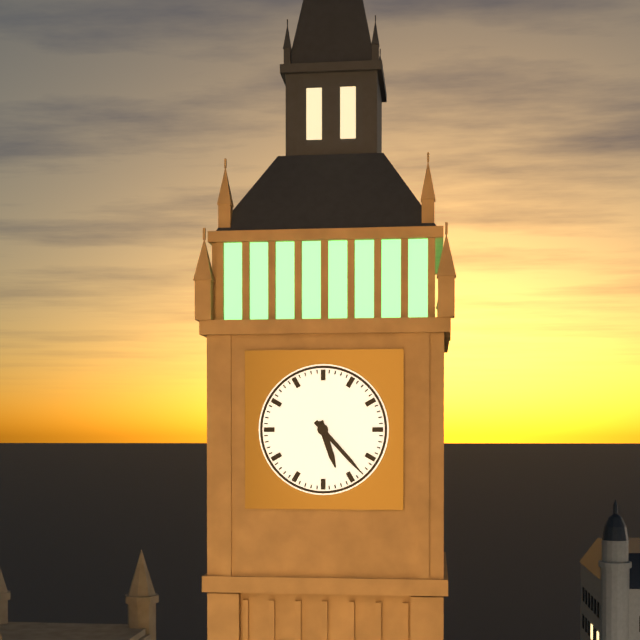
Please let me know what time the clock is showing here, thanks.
5:23
